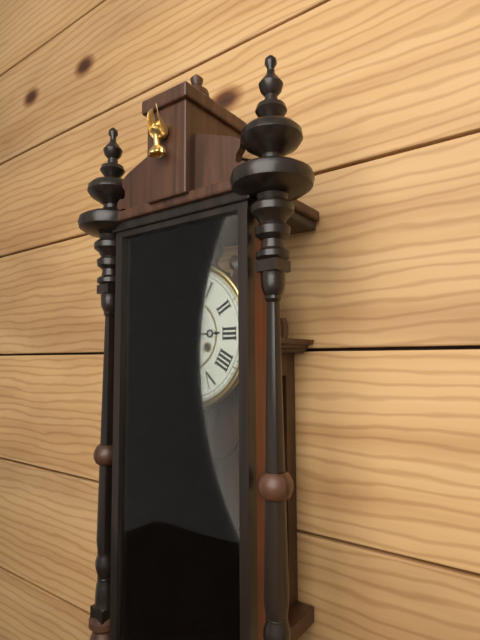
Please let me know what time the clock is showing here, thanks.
2:57
